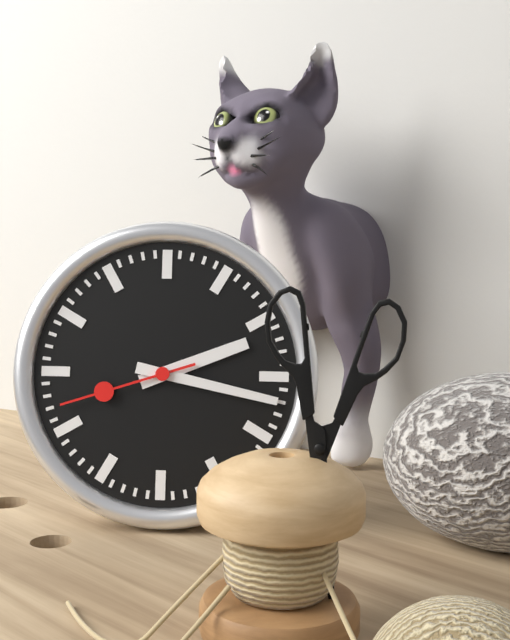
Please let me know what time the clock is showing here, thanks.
2:17:42
